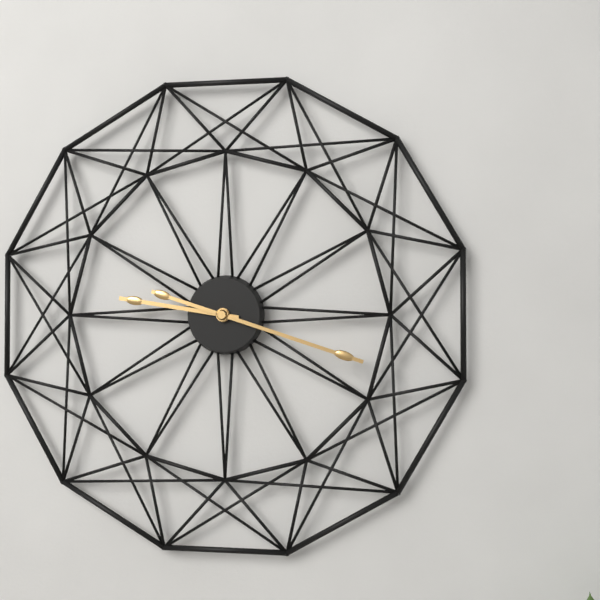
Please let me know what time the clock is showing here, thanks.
9:18
